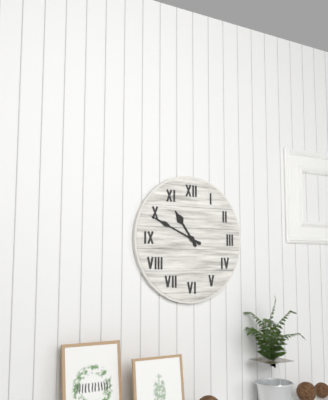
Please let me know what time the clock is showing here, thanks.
10:49
